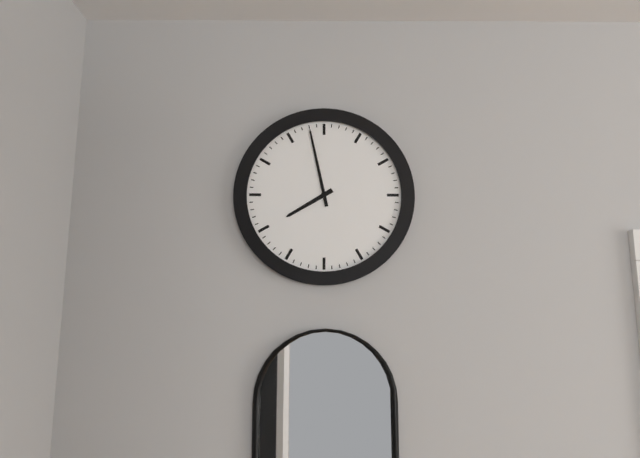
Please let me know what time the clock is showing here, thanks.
7:58
